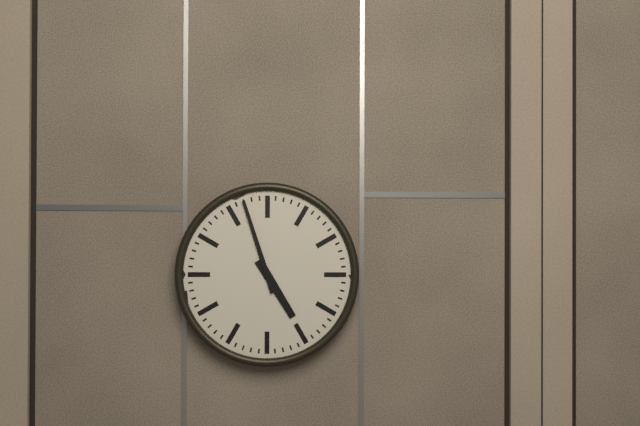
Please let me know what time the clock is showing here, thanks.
4:57
